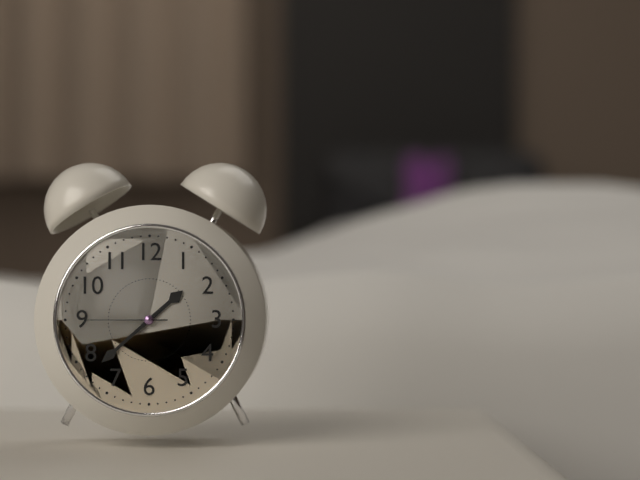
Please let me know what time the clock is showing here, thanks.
1:38:45
